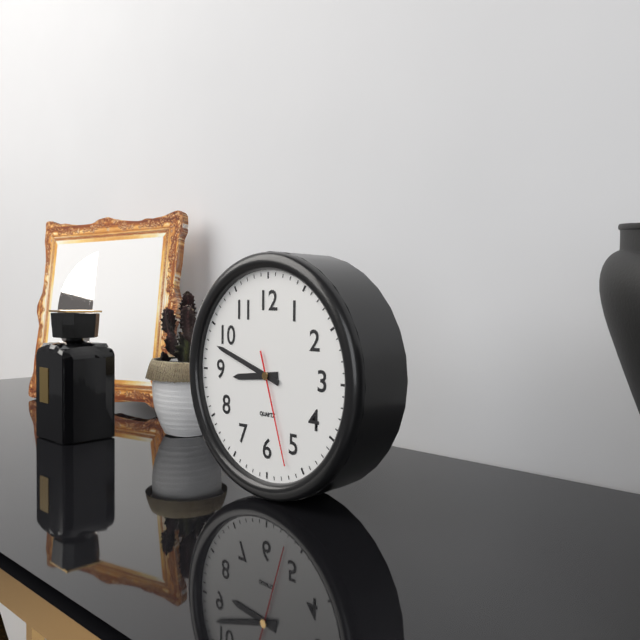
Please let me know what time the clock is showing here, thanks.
8:48:27
